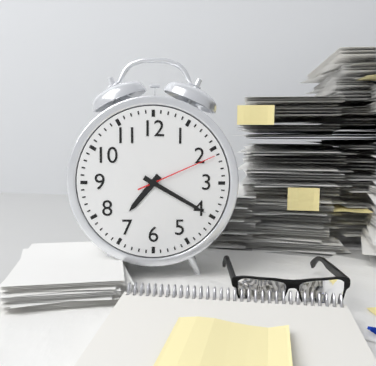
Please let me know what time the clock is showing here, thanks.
7:20:11
